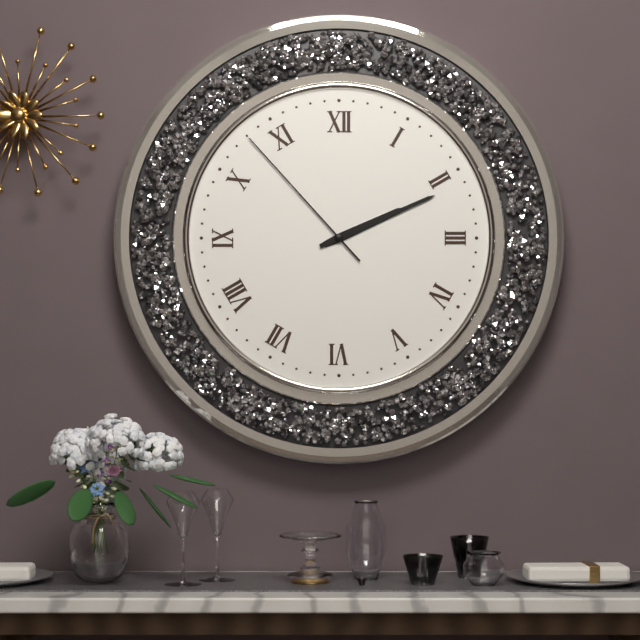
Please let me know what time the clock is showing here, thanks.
2:11:53
